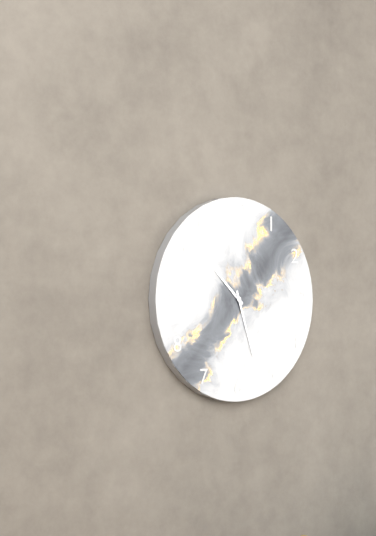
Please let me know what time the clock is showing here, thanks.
10:27
